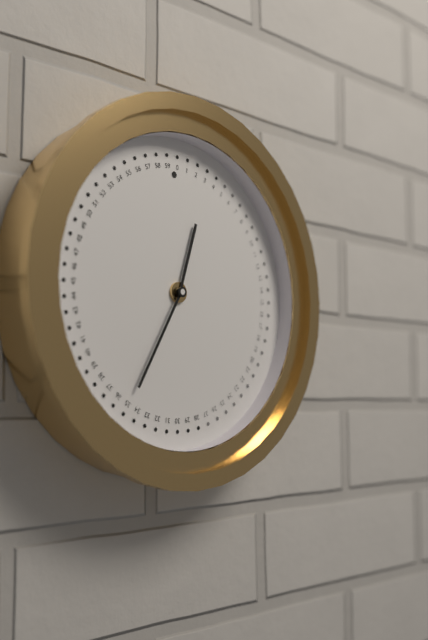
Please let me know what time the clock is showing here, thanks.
12:35
